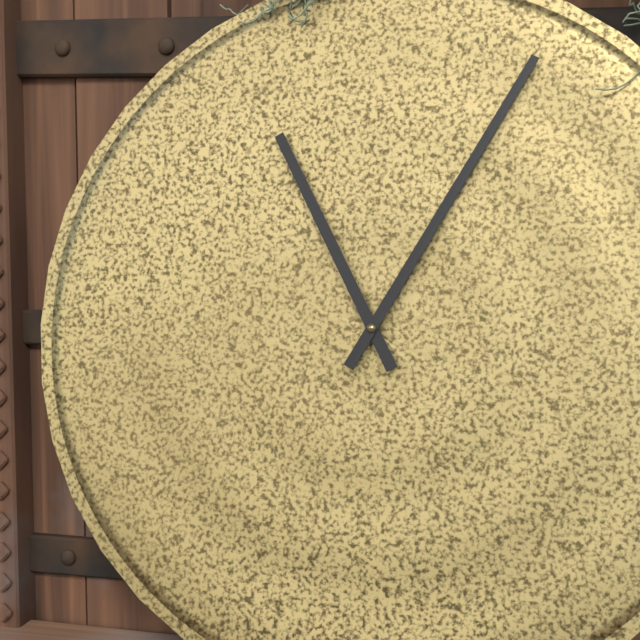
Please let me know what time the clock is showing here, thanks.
11:05
